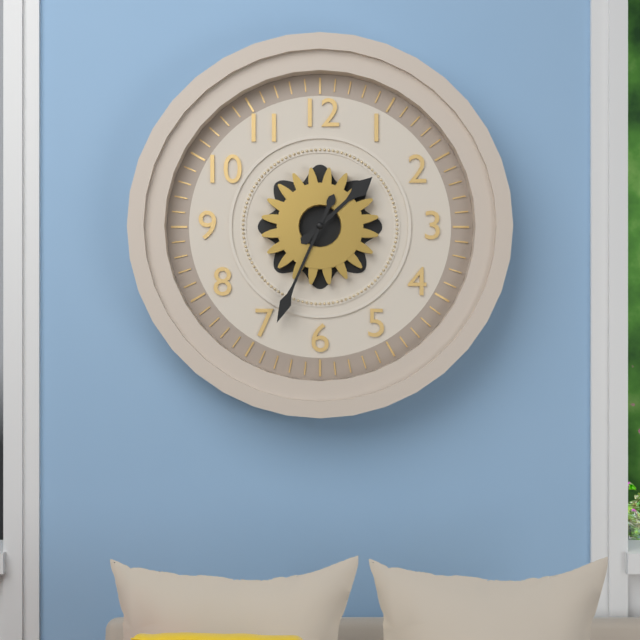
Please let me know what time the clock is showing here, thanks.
1:34
